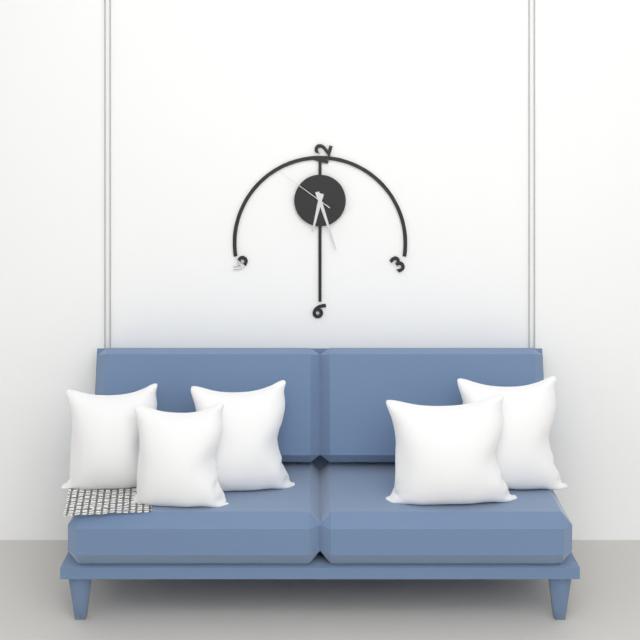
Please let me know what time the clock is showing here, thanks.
6:27:51
